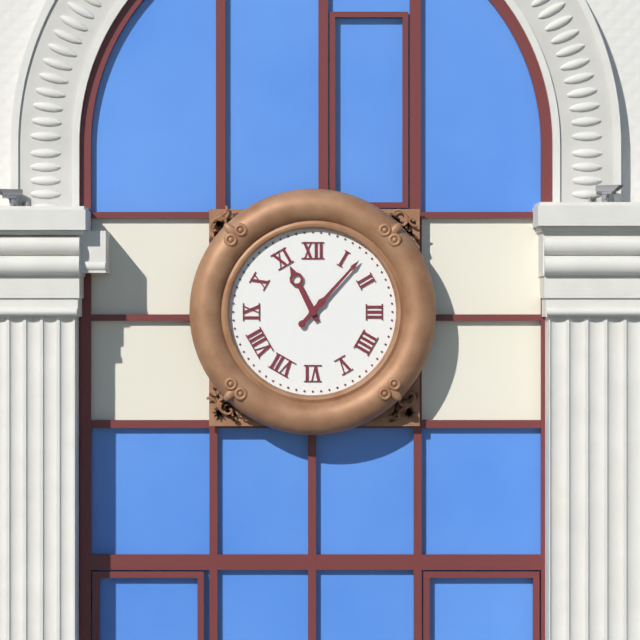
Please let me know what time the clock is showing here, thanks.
11:07
